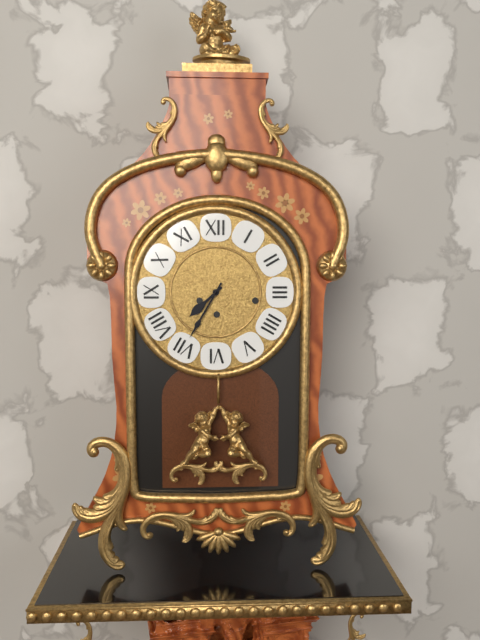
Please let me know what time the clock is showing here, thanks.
7:35
